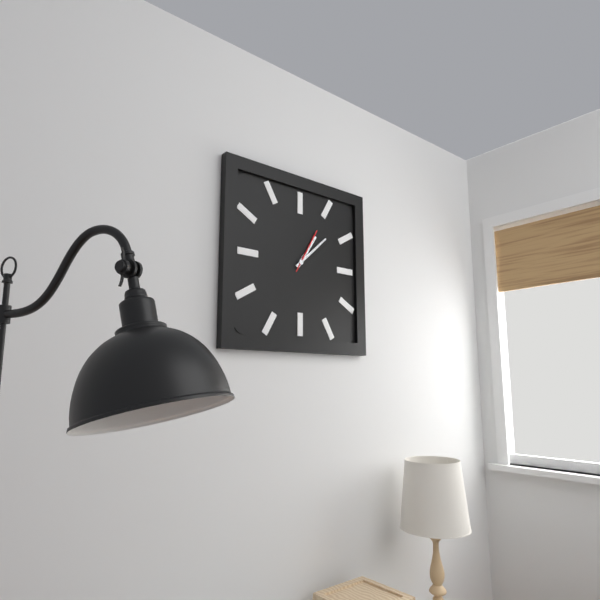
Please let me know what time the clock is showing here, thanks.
1:08
